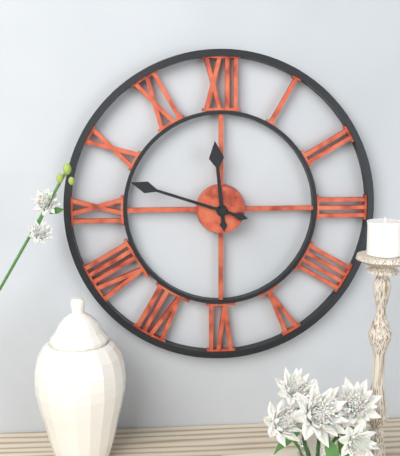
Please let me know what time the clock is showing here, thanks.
11:48
